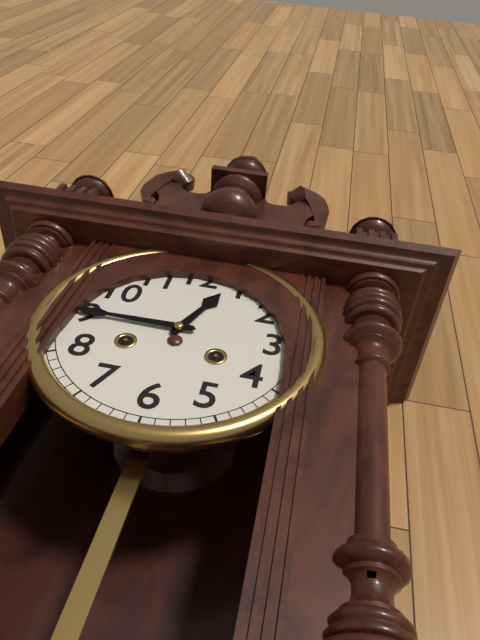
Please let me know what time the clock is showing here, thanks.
12:45
